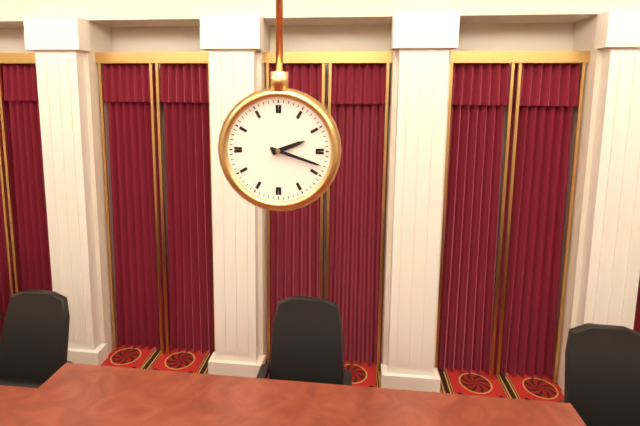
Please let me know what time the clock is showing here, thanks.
2:18
